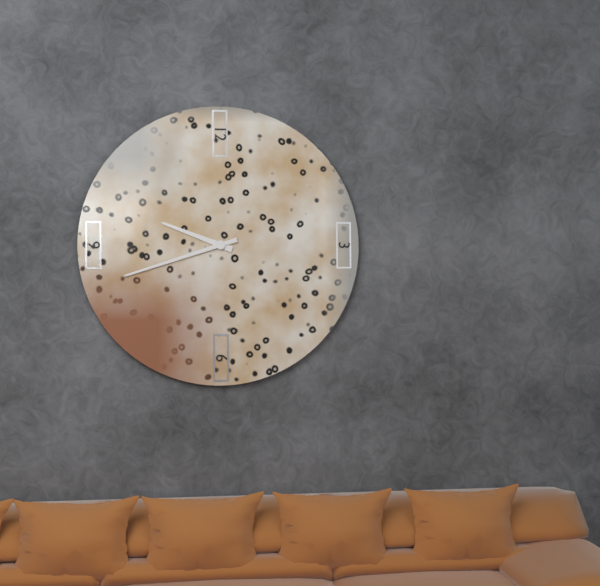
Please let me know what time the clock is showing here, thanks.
9:42
